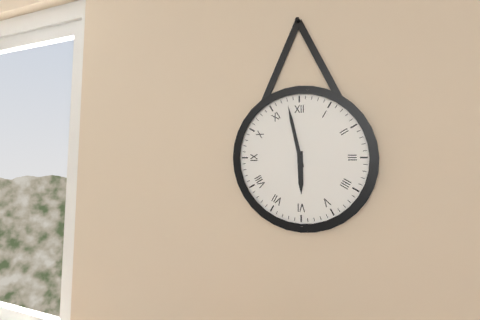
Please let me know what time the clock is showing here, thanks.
5:58
